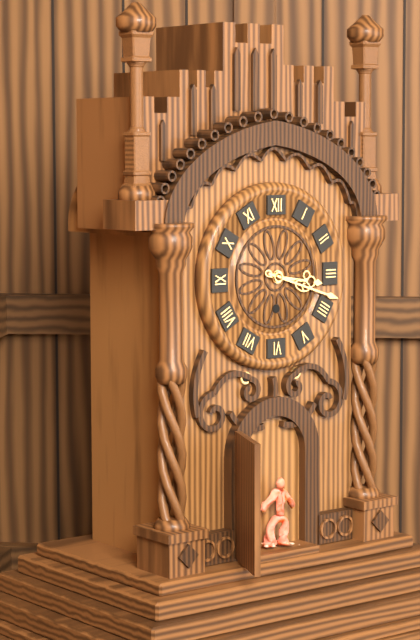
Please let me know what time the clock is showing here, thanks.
3:18
